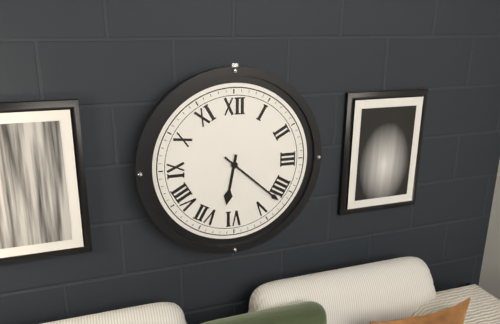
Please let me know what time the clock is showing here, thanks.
6:22
